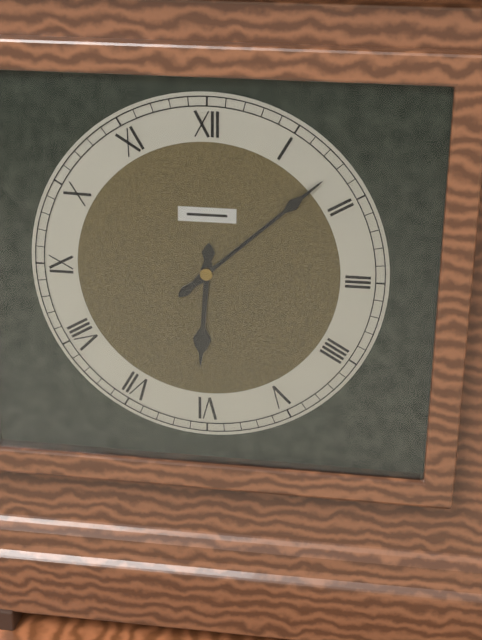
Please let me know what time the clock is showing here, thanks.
6:08
